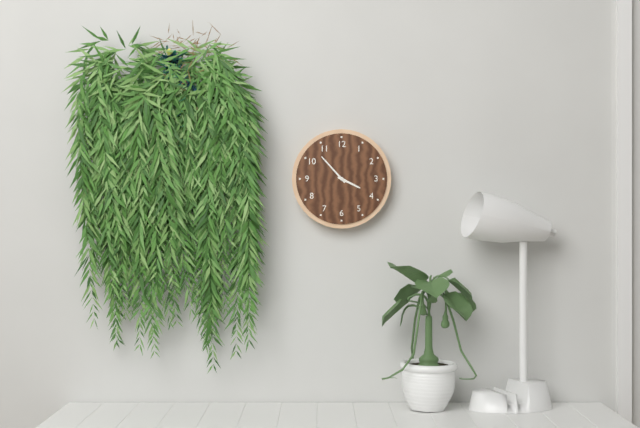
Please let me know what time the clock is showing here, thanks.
3:53
